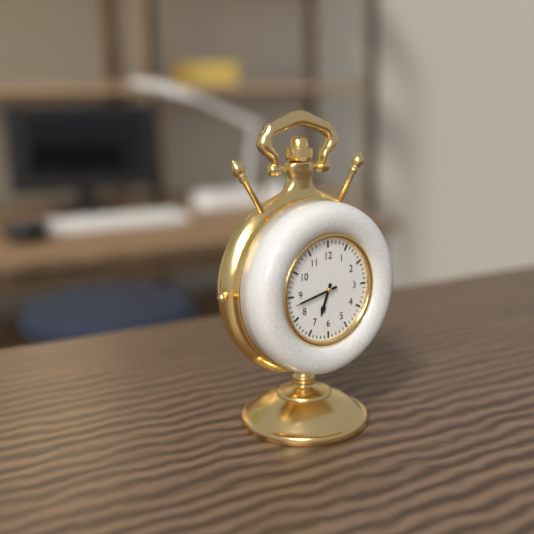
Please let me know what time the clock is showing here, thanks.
6:43
